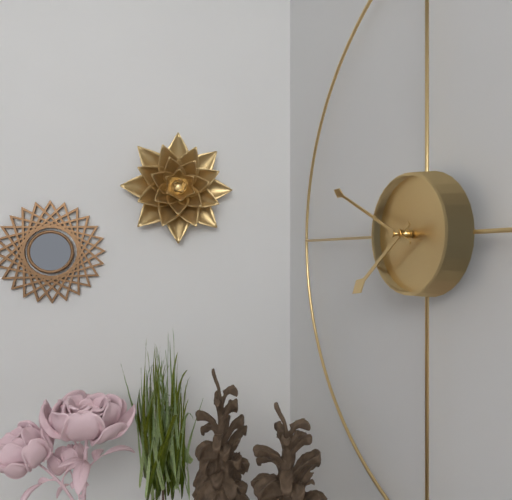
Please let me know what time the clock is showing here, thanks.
7:49
